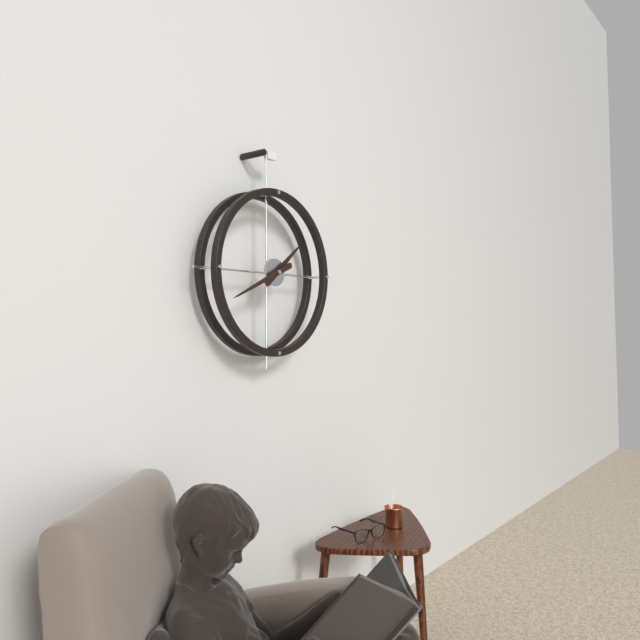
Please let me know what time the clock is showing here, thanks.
1:41
